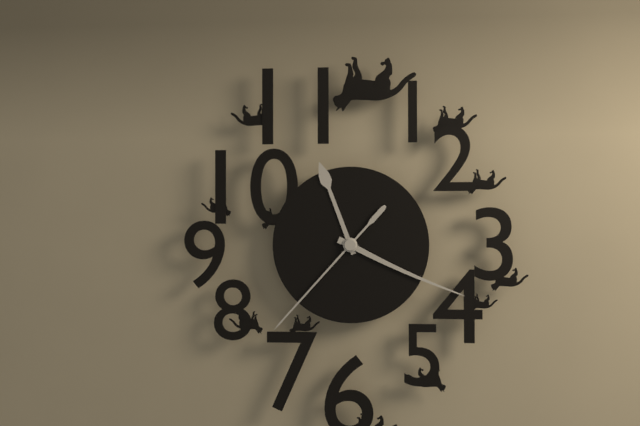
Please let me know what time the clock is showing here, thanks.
11:19:37
